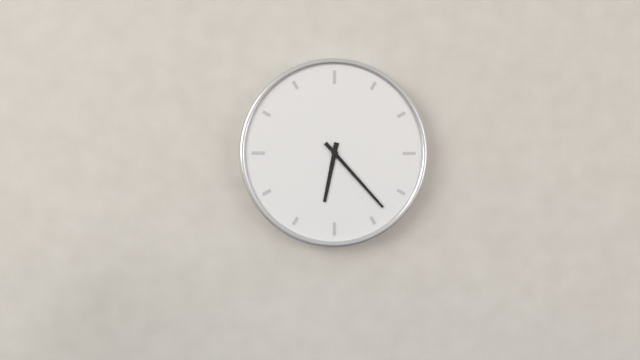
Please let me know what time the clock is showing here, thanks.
6:23
